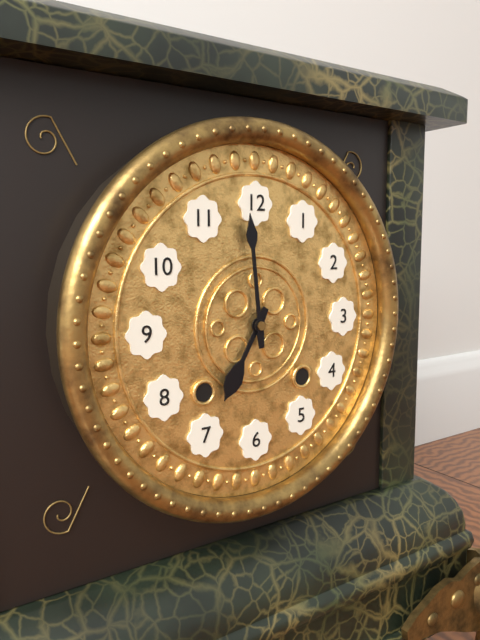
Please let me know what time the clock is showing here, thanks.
6:59
